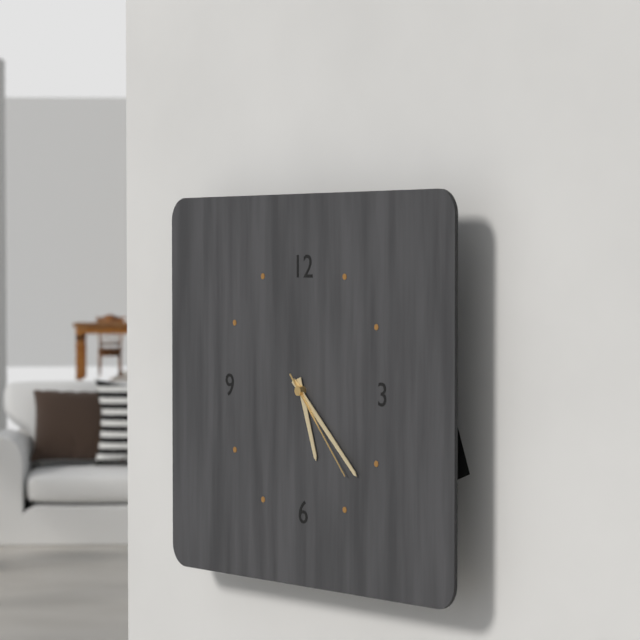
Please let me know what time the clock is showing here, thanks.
5:22:23
